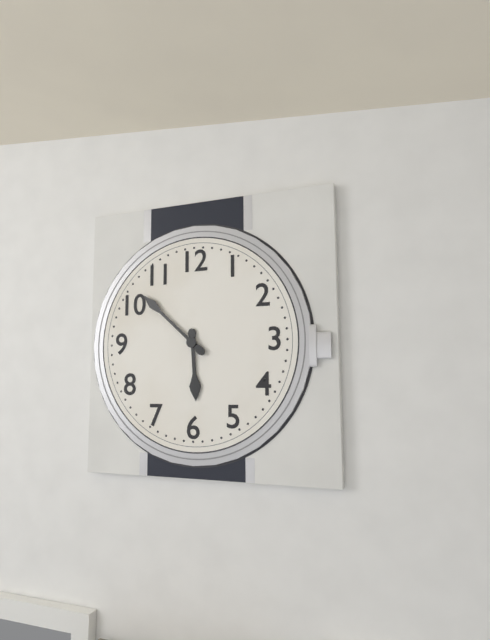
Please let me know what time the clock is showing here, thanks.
5:52
